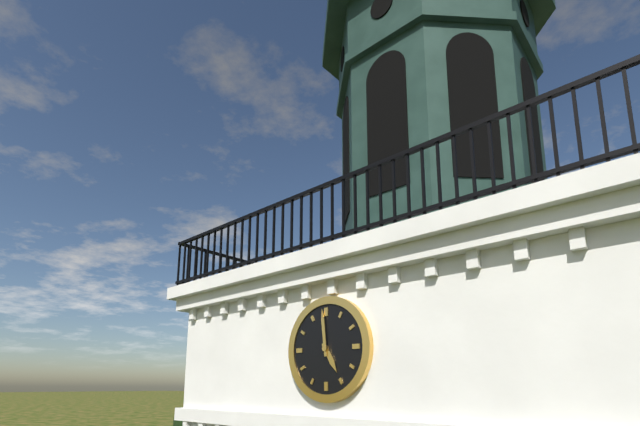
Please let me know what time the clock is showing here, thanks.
4:59
